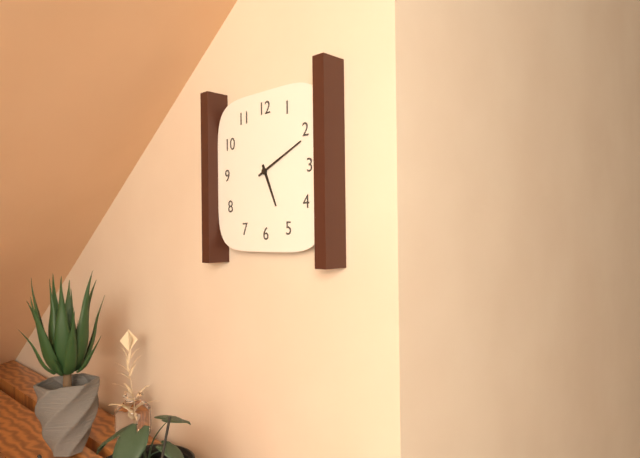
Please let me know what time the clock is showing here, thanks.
5:11
